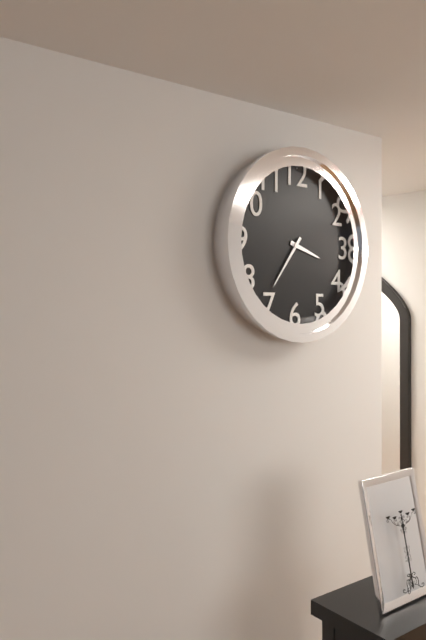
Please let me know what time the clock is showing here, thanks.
3:36
